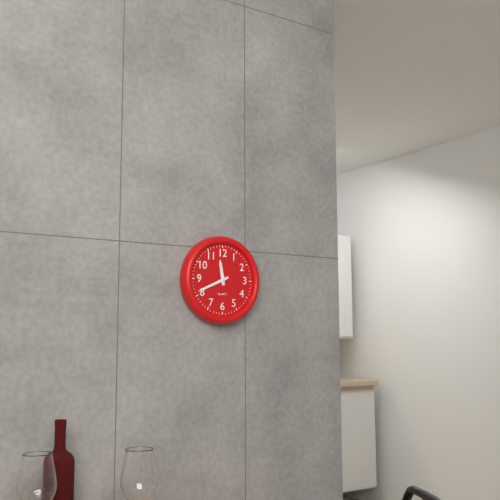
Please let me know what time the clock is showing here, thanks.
11:41
